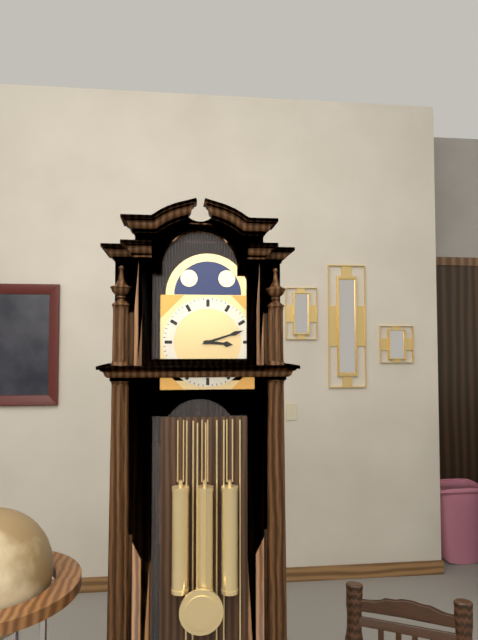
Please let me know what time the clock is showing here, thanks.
3:12
